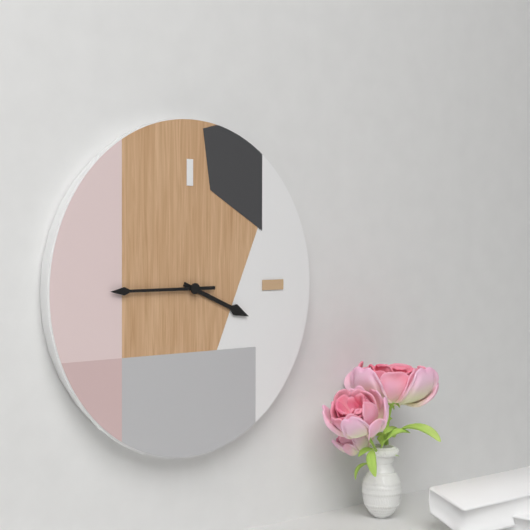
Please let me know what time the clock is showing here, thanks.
3:45
